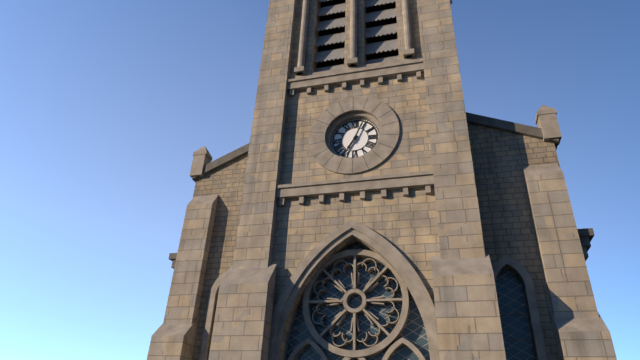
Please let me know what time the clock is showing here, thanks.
7:04
